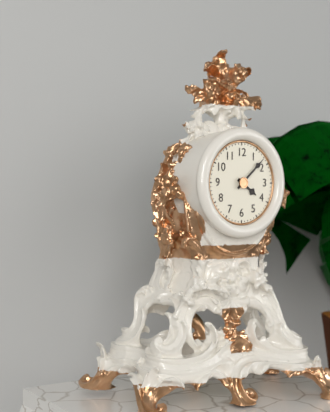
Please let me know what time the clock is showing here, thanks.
4:08
